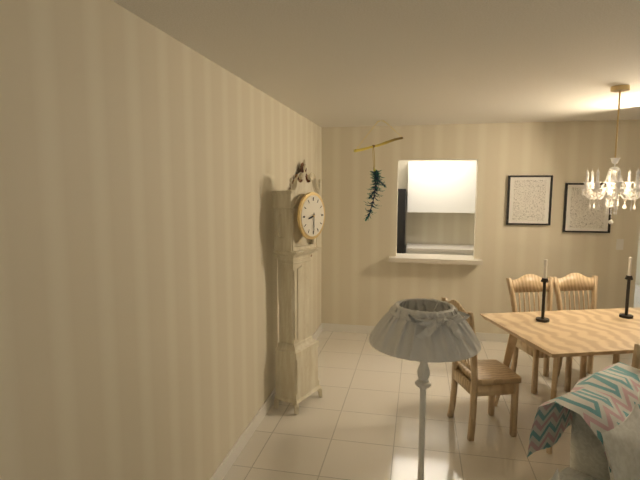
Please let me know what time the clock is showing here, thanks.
8:30
